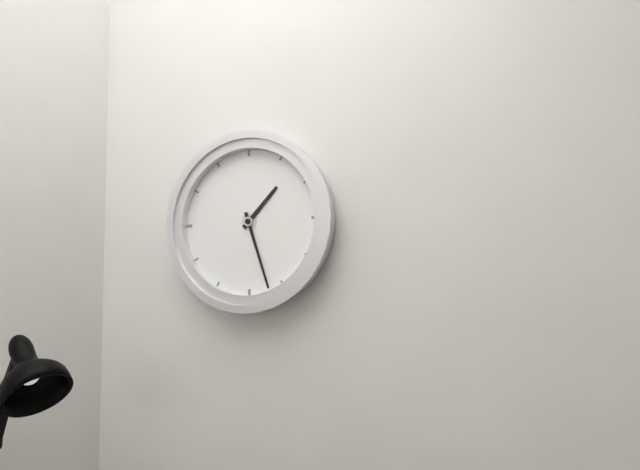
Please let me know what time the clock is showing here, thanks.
1:27
